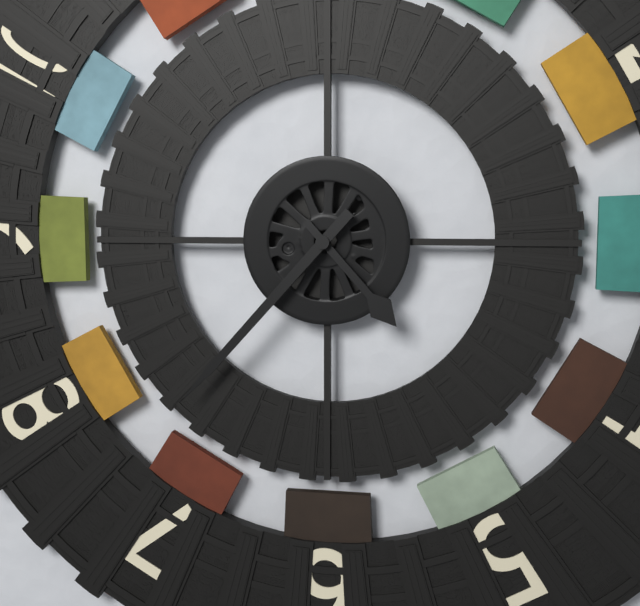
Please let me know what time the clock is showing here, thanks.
4:37
